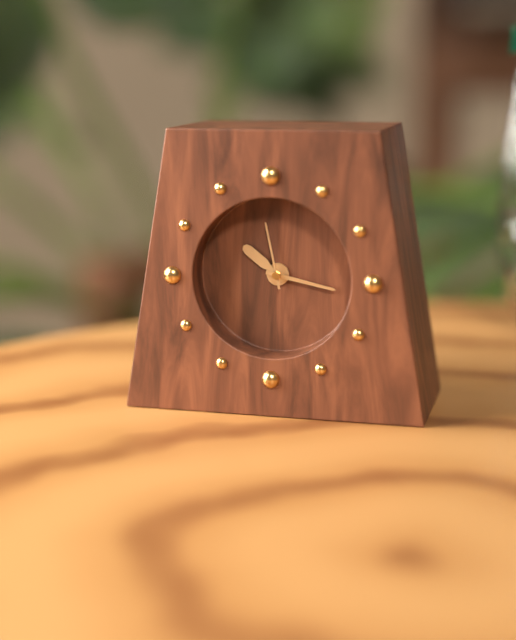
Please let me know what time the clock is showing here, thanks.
10:17:58
